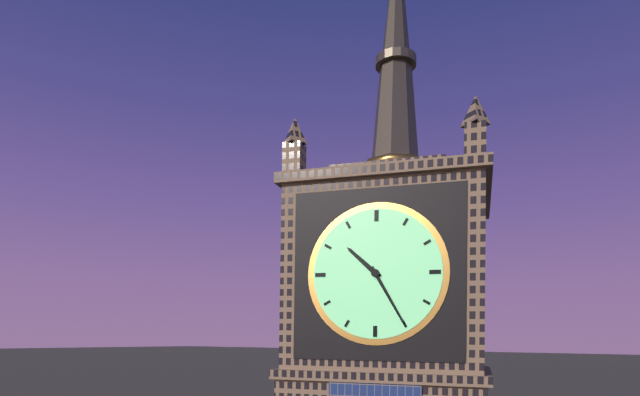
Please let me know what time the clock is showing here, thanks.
10:25
